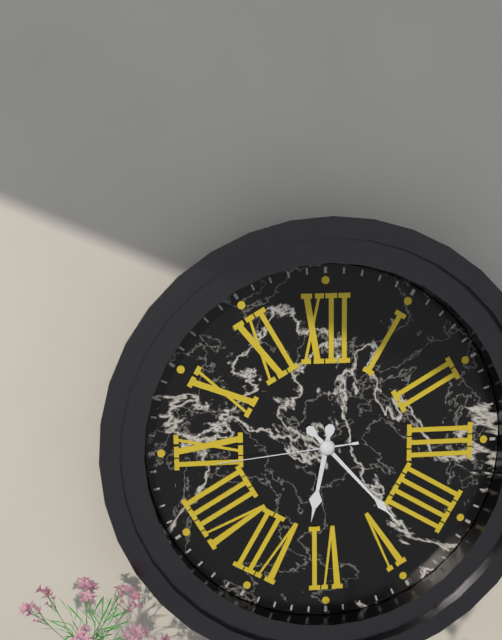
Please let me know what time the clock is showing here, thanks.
6:23:44
